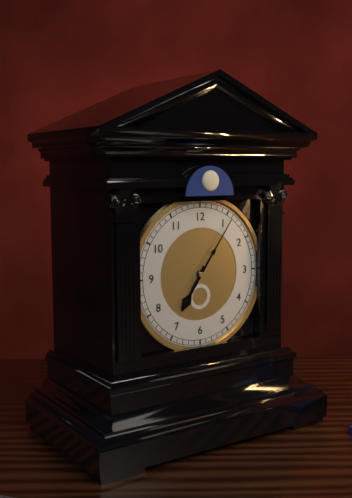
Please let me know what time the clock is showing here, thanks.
7:06
